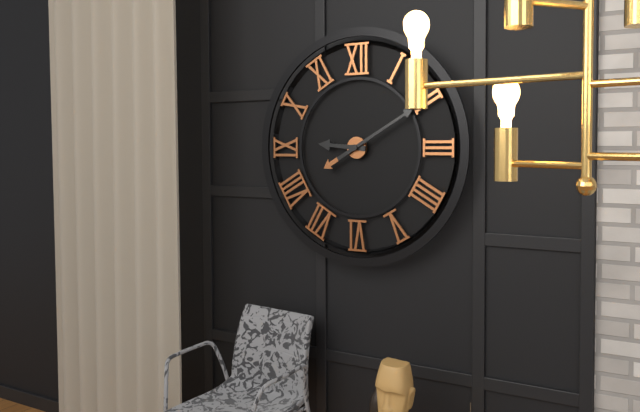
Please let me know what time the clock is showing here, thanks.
9:10
